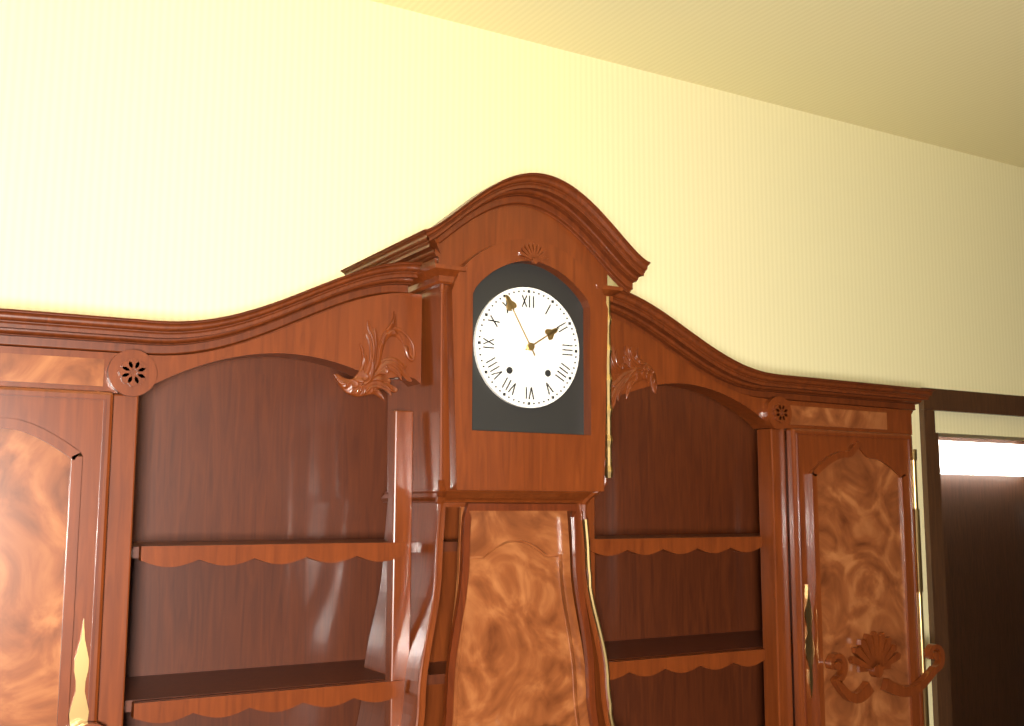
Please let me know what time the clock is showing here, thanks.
1:55
